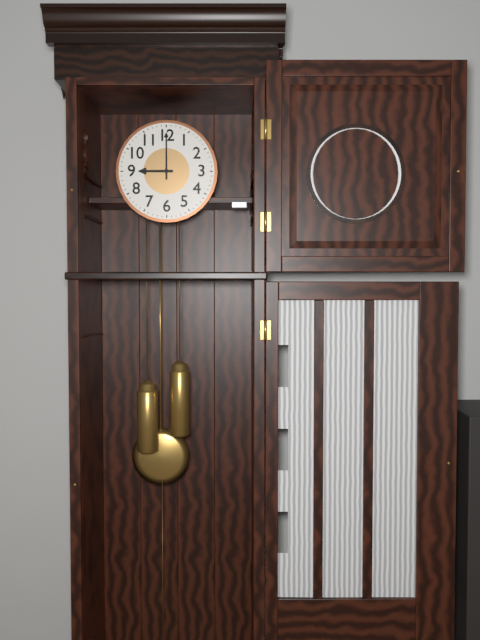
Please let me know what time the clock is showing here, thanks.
9:00
